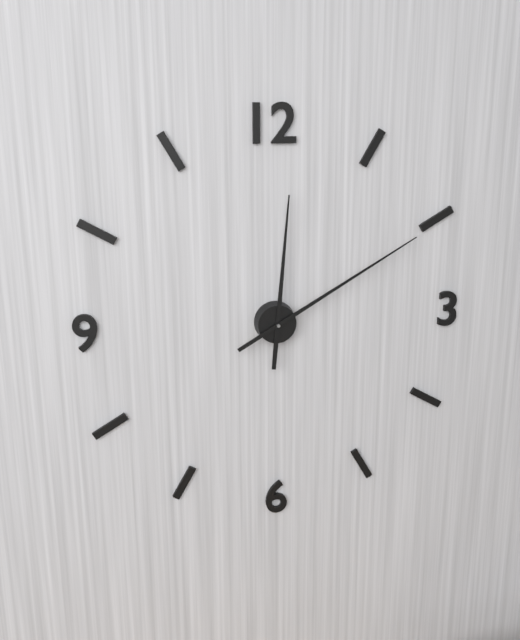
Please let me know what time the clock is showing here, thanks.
12:10
